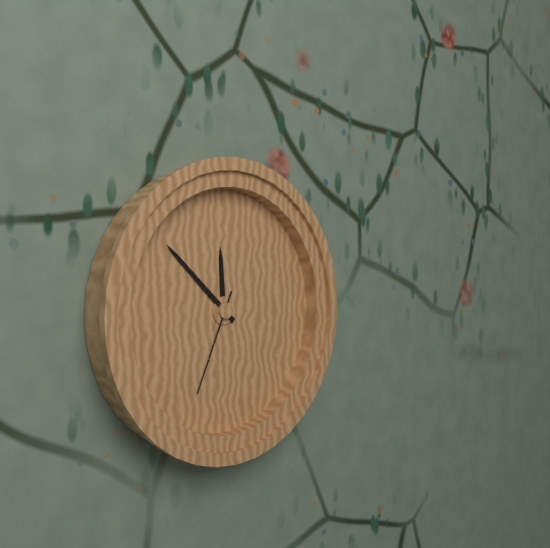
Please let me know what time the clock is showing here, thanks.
11:52:34
